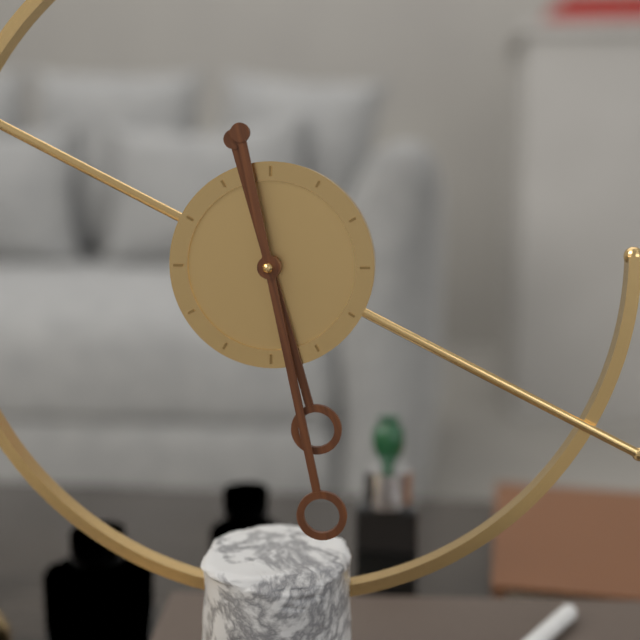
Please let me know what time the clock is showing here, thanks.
5:28
